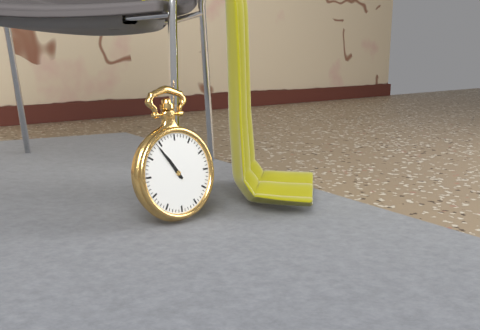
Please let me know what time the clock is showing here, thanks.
10:54
